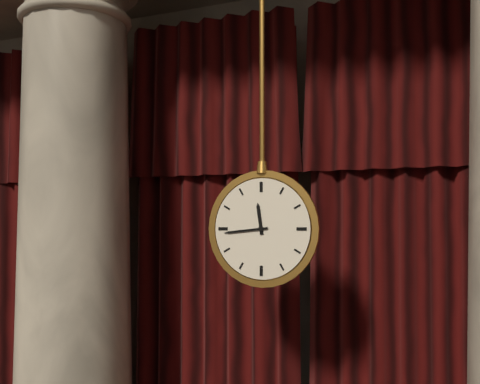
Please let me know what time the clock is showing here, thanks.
11:44
